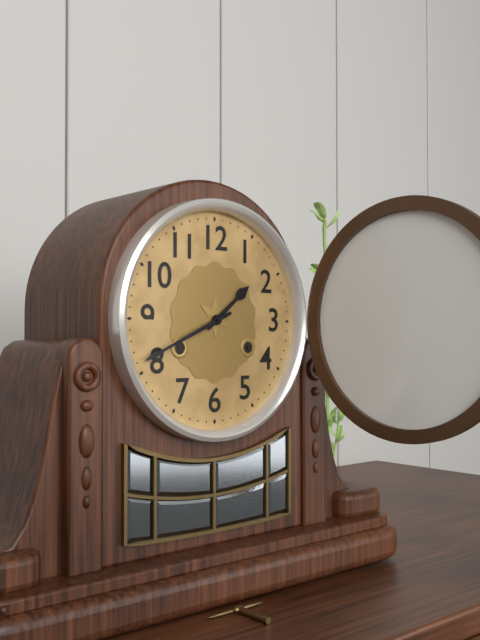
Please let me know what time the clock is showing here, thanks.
1:41
